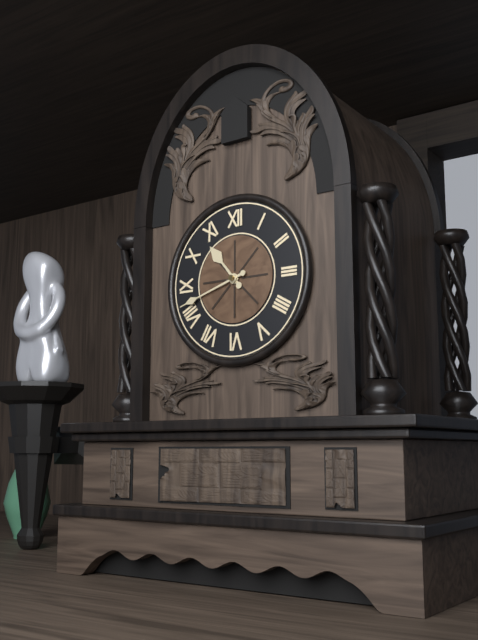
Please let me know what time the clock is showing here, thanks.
10:42
